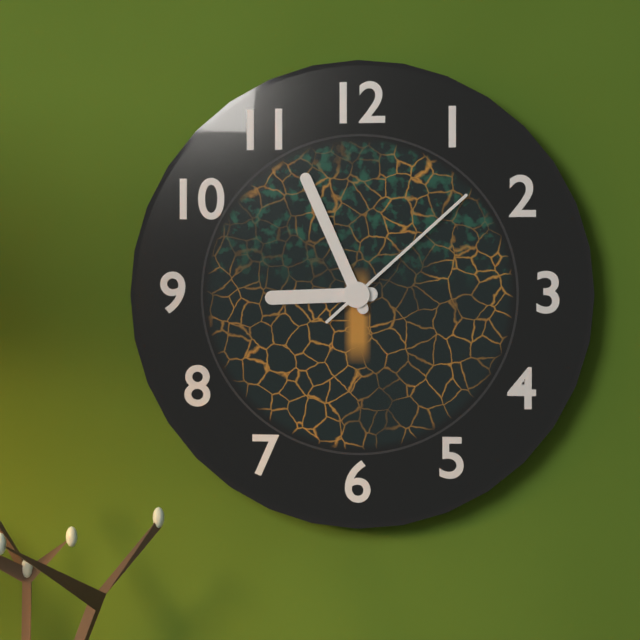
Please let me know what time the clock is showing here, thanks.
8:56:08
